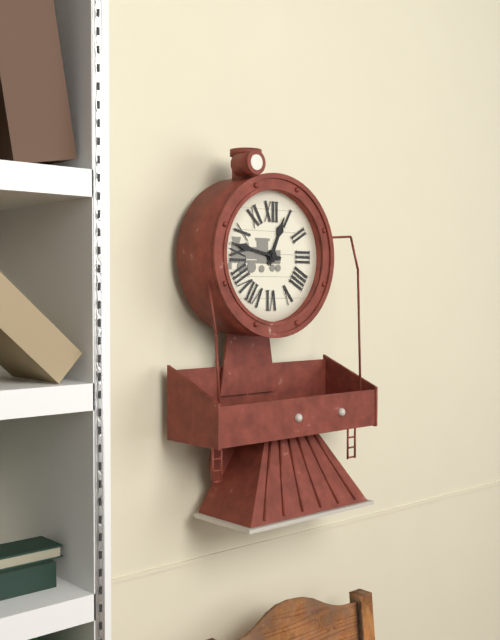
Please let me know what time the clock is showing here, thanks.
12:47
